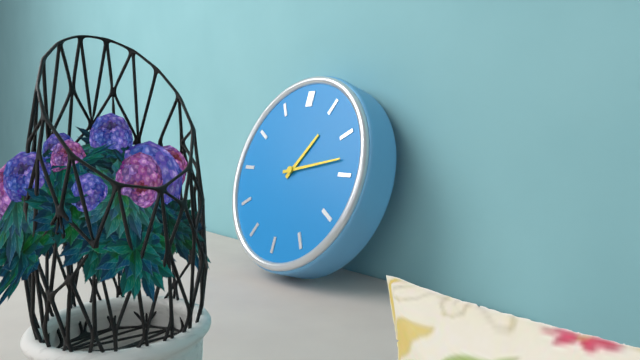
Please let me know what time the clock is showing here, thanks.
1:13
